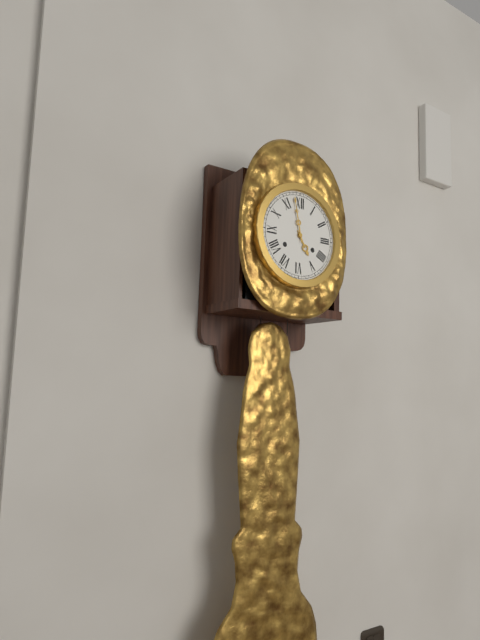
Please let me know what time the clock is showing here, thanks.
4:58
